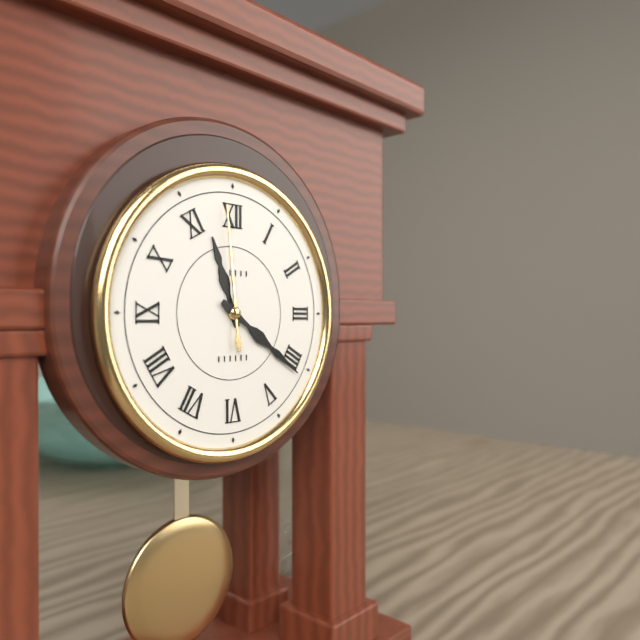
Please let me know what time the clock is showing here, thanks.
11:21:59
